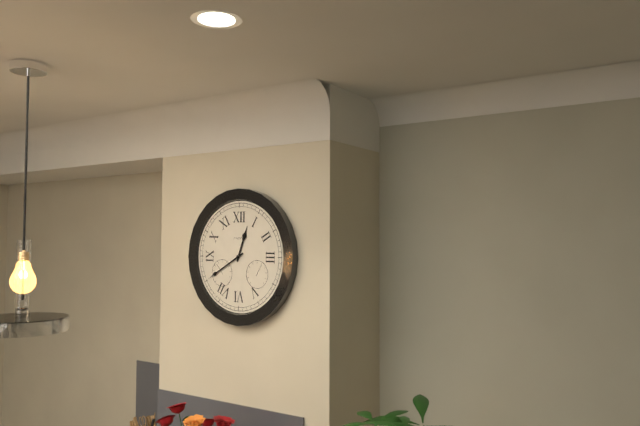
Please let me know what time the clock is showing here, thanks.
12:40
